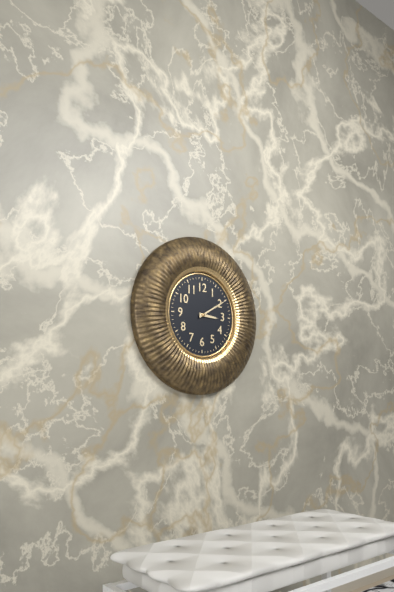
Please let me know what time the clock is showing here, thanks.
3:10
